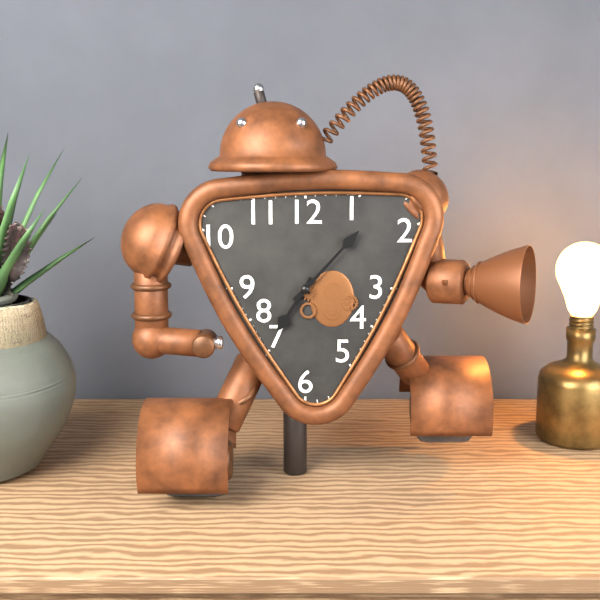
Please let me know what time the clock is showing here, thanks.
7:07
